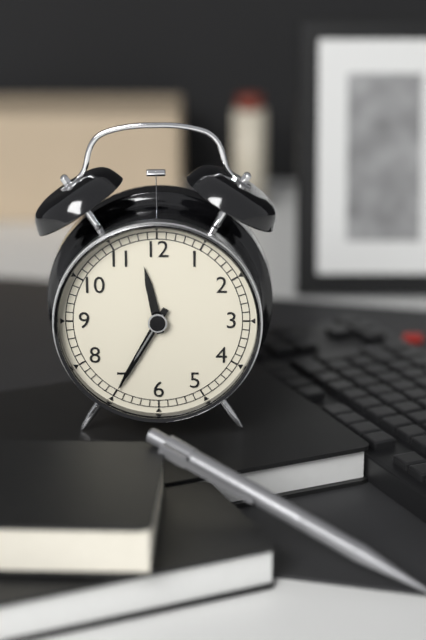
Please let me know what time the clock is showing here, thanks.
11:35
